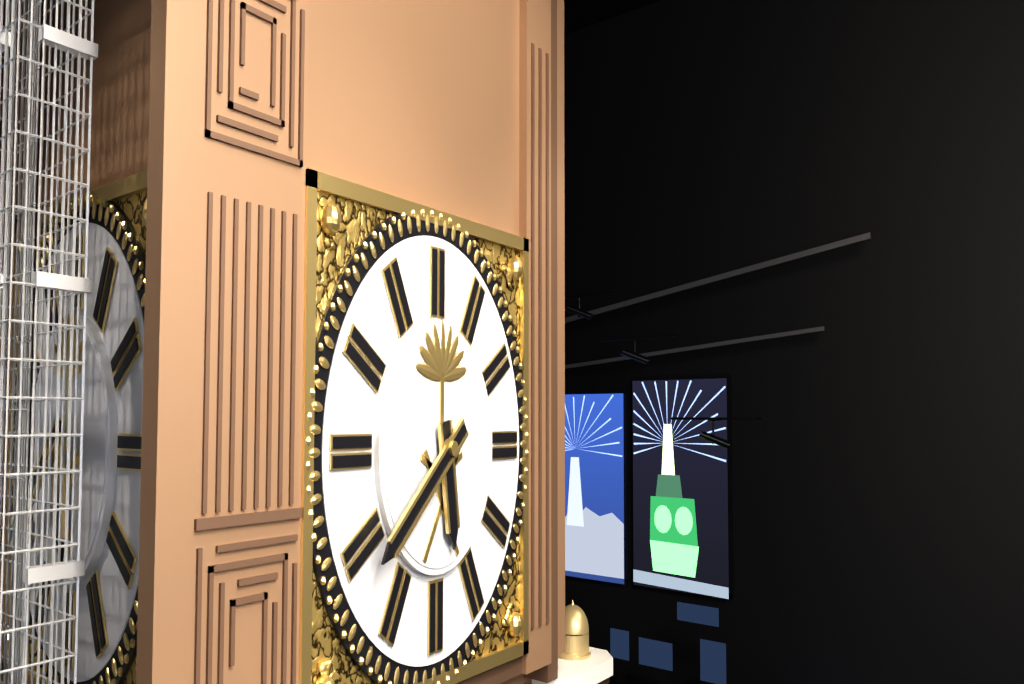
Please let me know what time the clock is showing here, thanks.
5:39
